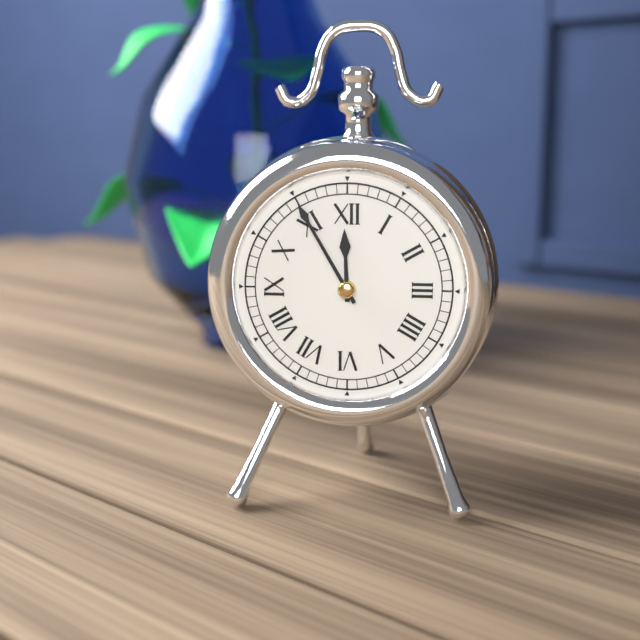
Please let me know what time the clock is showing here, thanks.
11:55
